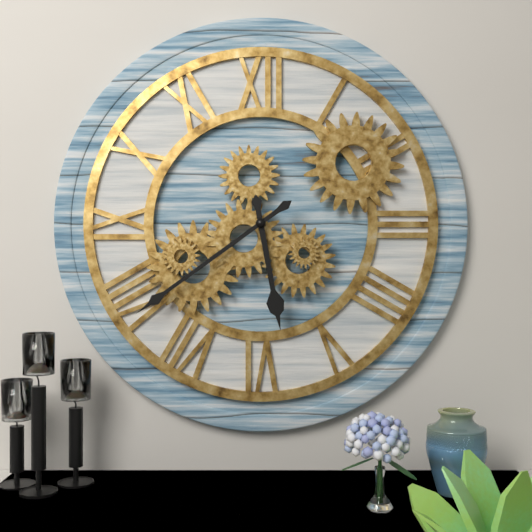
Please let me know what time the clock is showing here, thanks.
5:39
